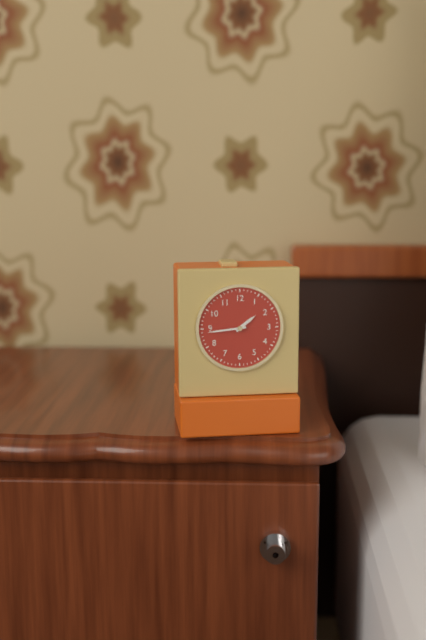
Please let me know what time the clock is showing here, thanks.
1:44
